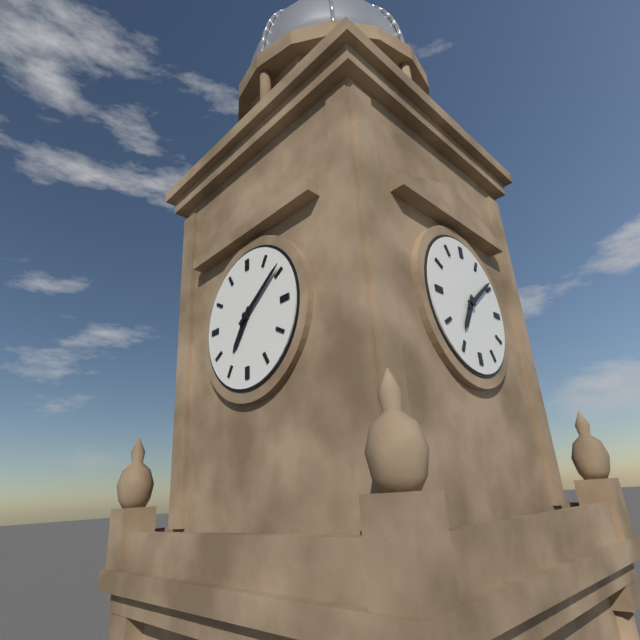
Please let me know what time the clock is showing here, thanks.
7:09
